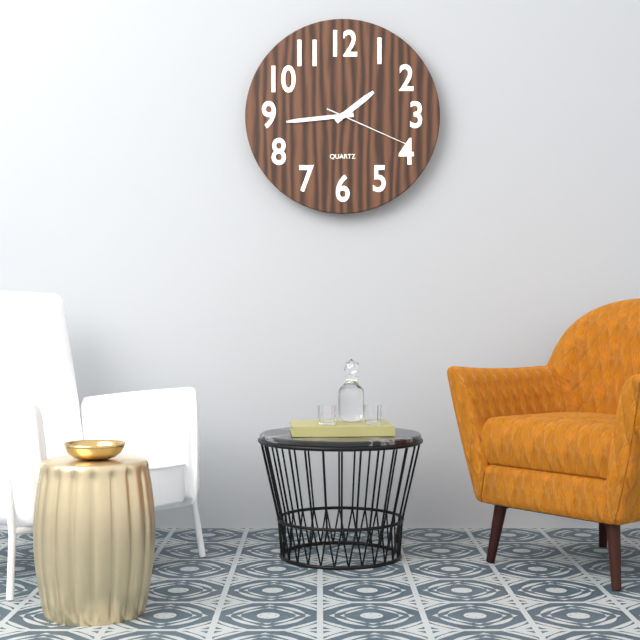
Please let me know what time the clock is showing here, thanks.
1:44:19
